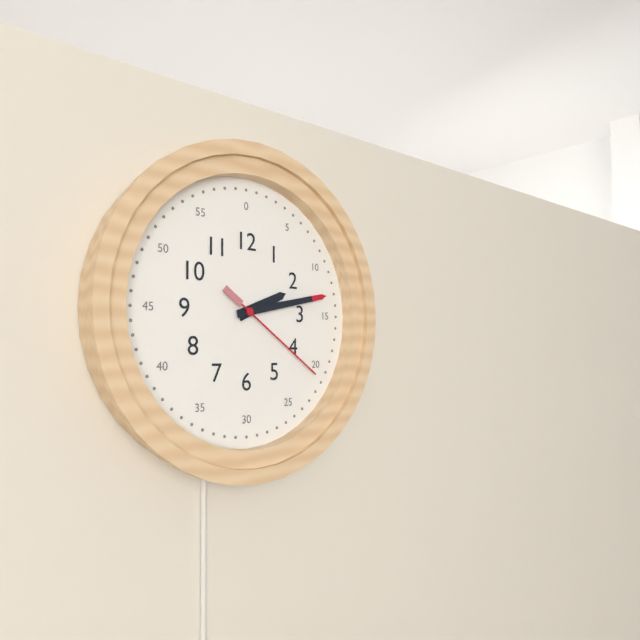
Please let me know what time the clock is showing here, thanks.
2:13:21
